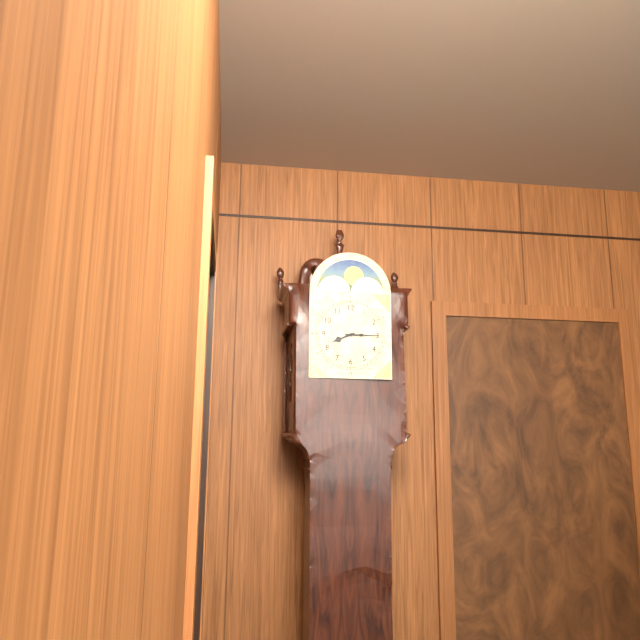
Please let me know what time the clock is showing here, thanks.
8:15
